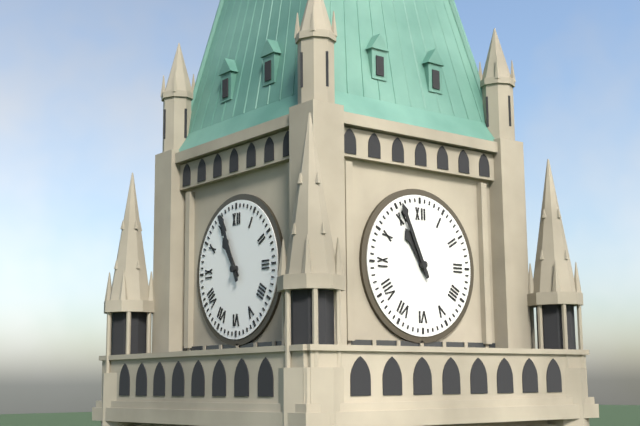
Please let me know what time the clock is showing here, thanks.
10:56
